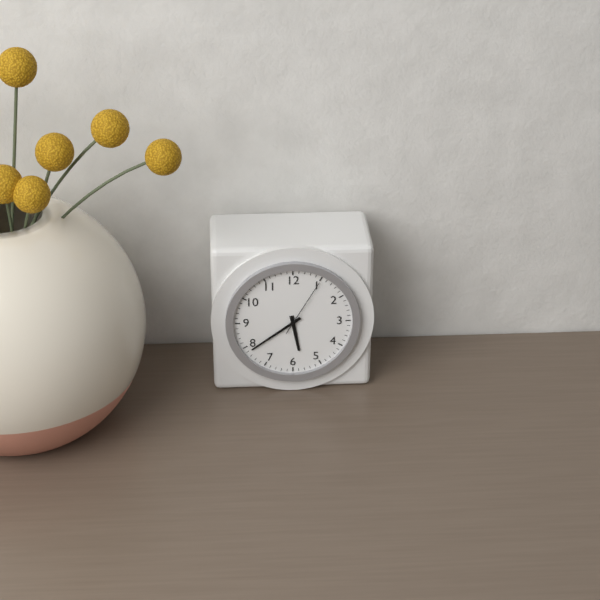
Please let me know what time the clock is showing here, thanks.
5:39:05
